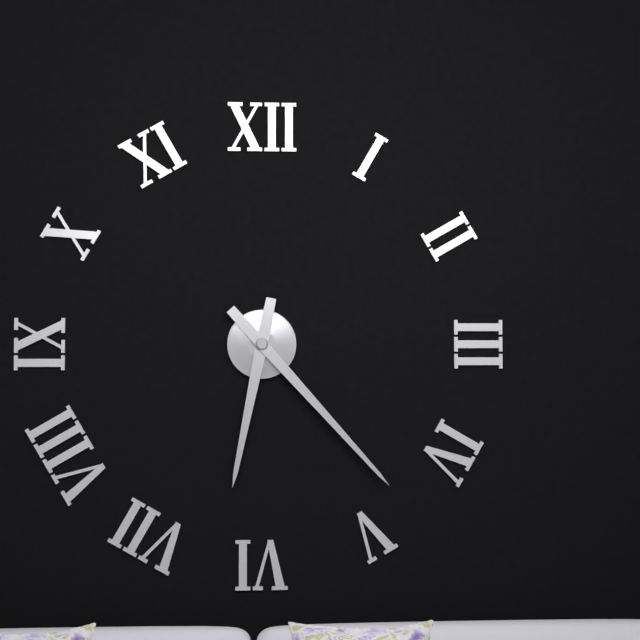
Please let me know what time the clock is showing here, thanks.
6:23
